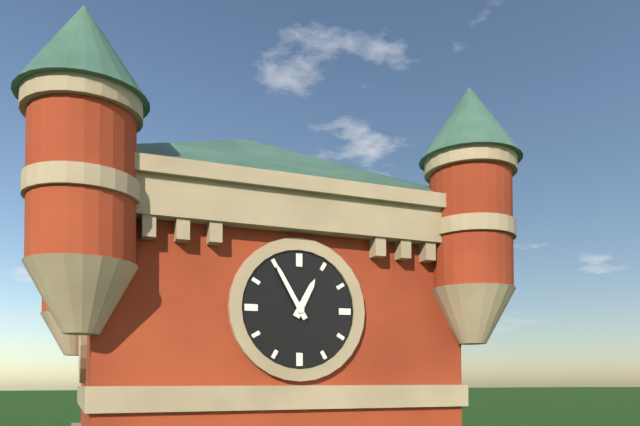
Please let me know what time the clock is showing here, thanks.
12:55
